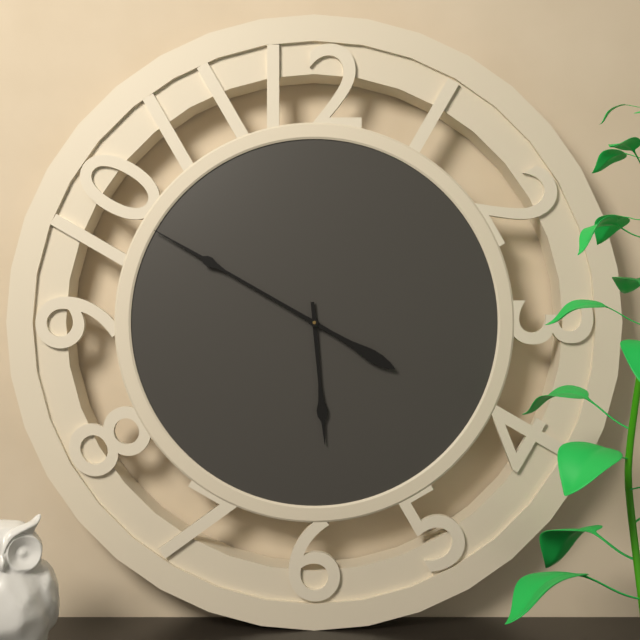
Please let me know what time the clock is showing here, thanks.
5:50
